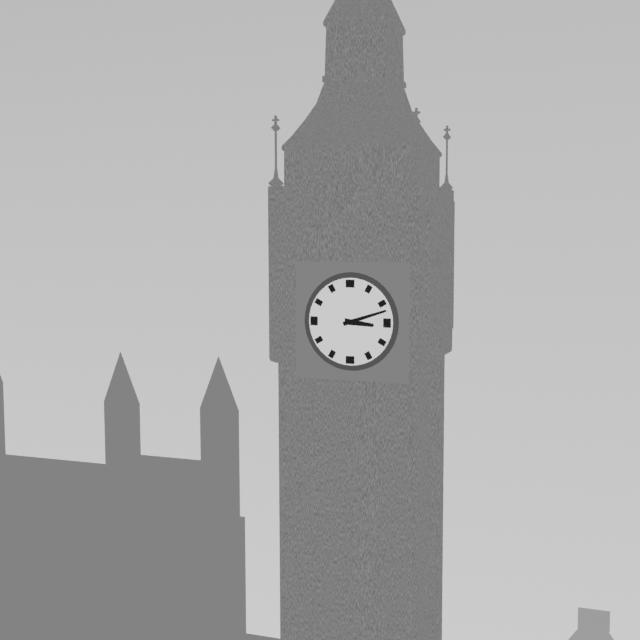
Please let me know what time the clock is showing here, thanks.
3:12
